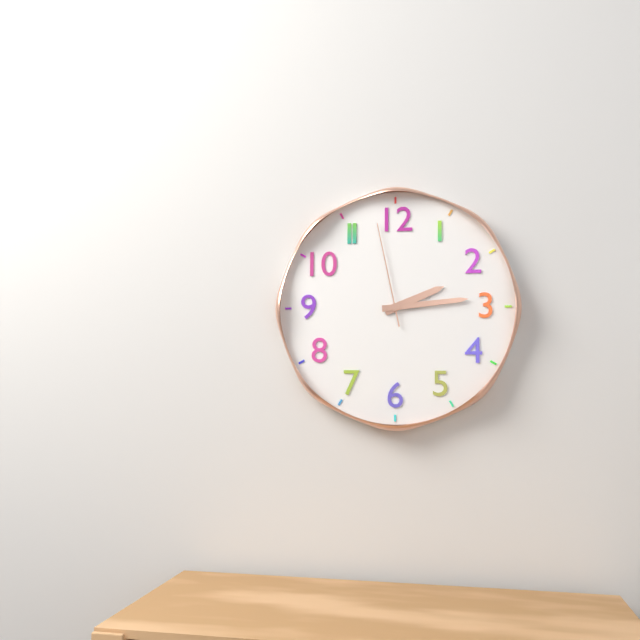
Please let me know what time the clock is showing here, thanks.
2:14:58
